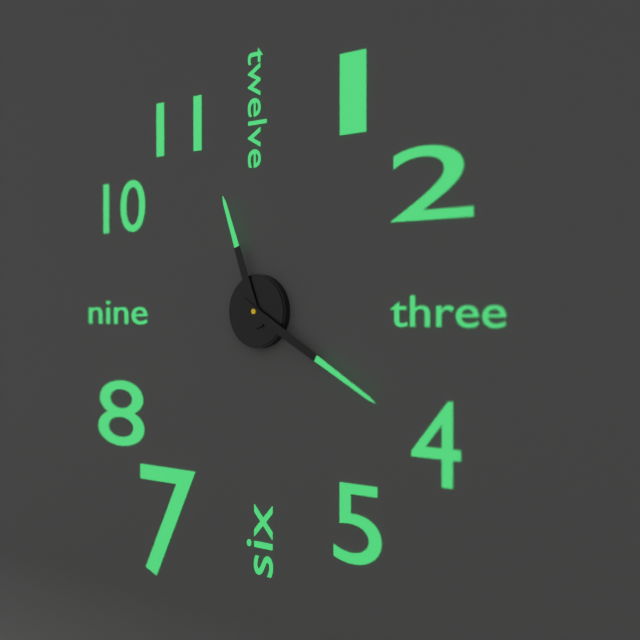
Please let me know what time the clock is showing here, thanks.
11:20
